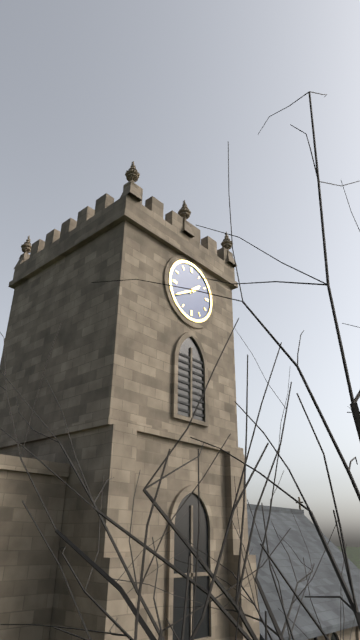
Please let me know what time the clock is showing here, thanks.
1:40
